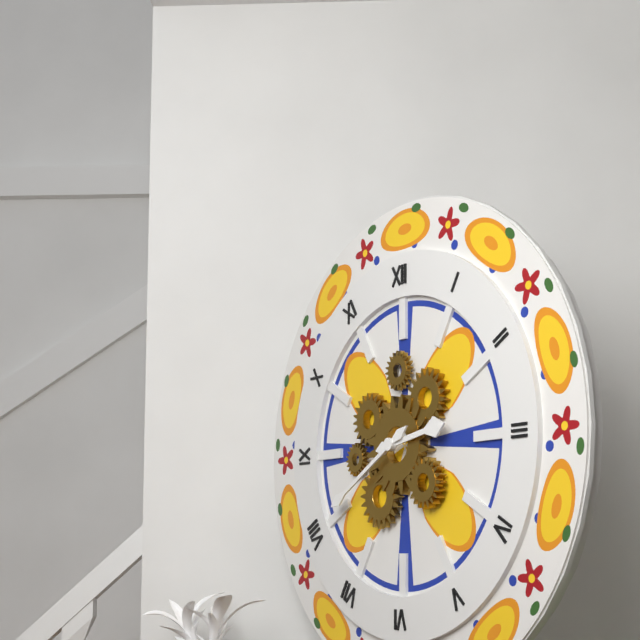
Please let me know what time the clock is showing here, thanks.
2:40
